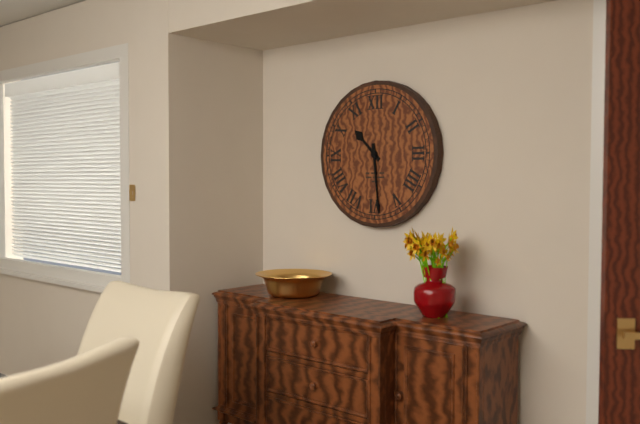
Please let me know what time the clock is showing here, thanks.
10:29
